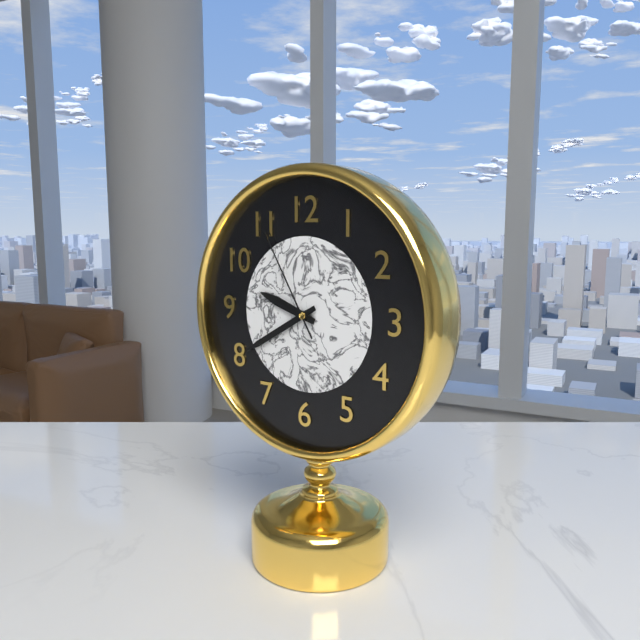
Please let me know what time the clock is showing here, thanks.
9:40:55
